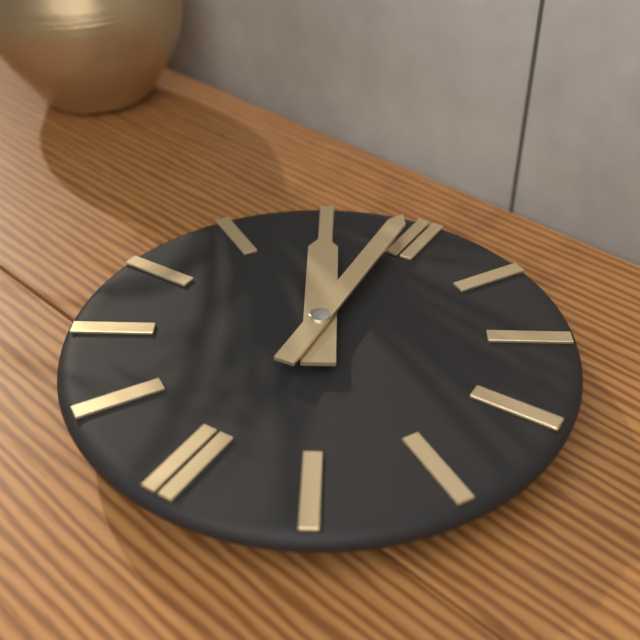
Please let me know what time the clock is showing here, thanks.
10:59
